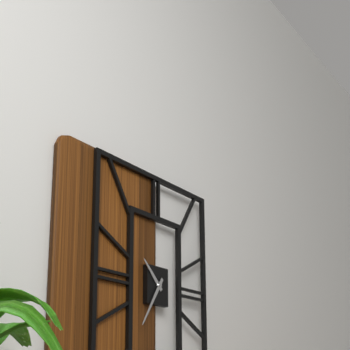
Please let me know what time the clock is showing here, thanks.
10:35
